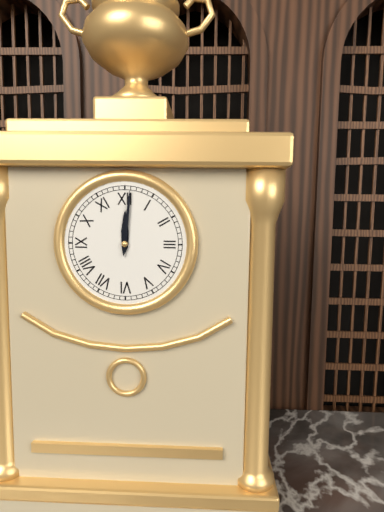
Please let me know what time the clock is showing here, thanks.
12:01
